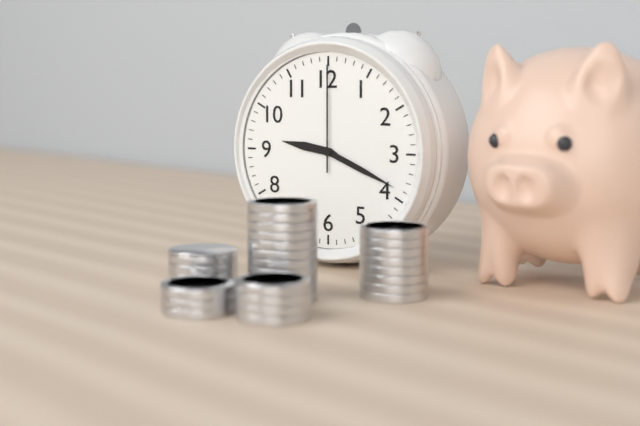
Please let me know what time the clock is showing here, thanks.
9:19:00
